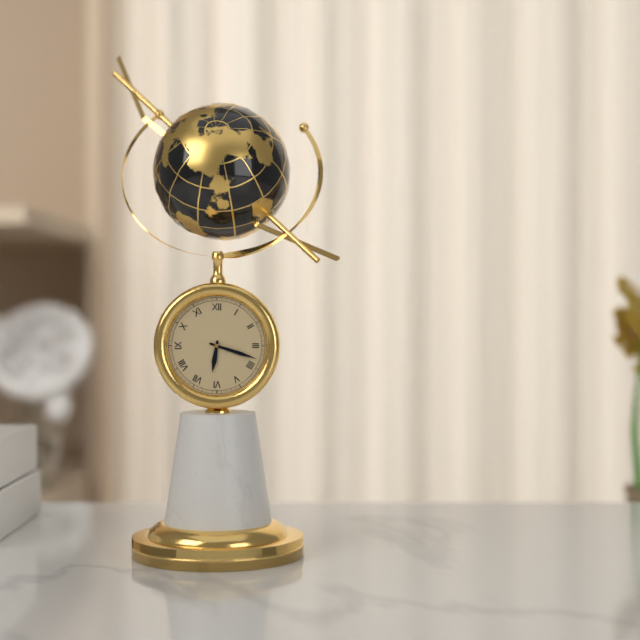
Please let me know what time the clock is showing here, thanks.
6:18
